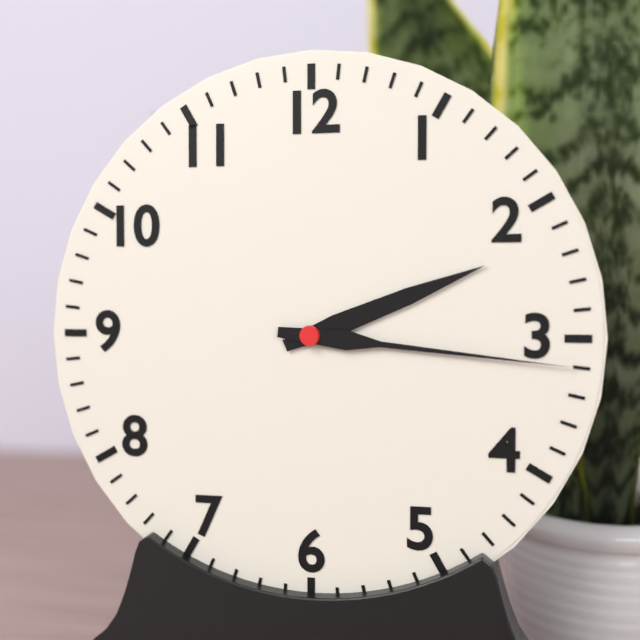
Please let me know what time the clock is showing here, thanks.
2:16
